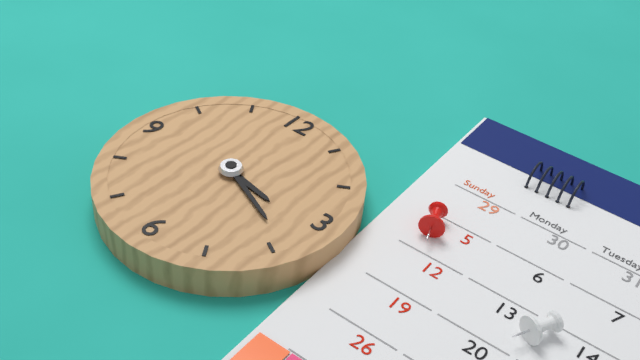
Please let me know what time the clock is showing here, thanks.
3:19
